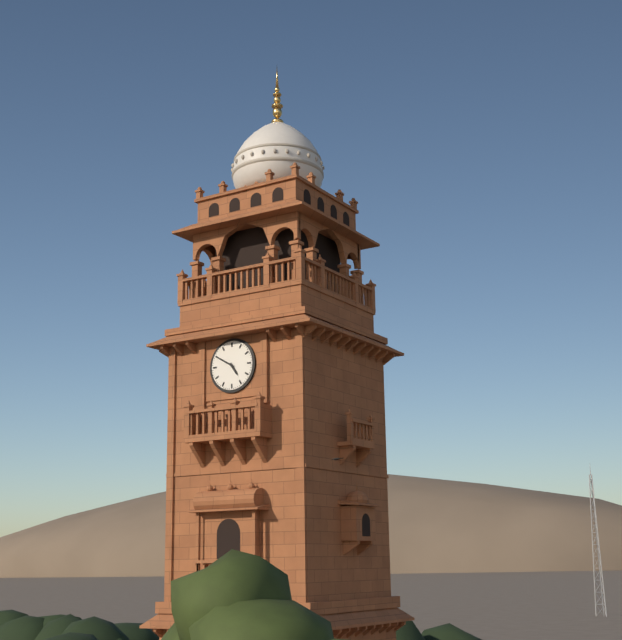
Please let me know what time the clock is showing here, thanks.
4:50
